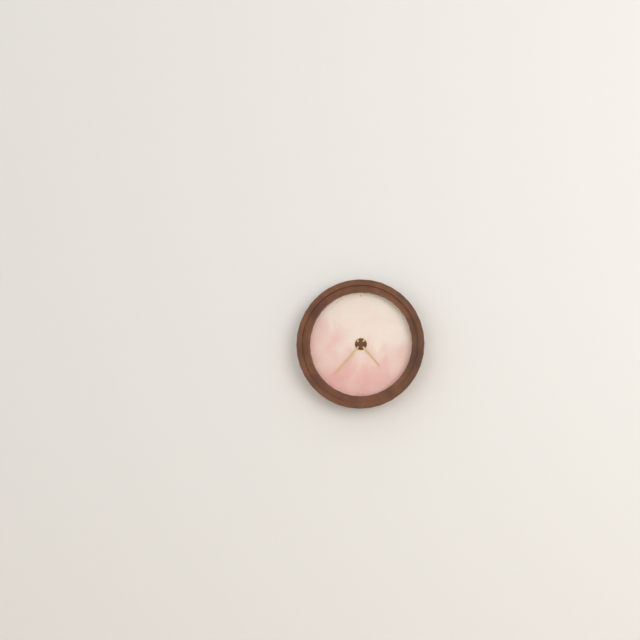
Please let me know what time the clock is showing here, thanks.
4:37
